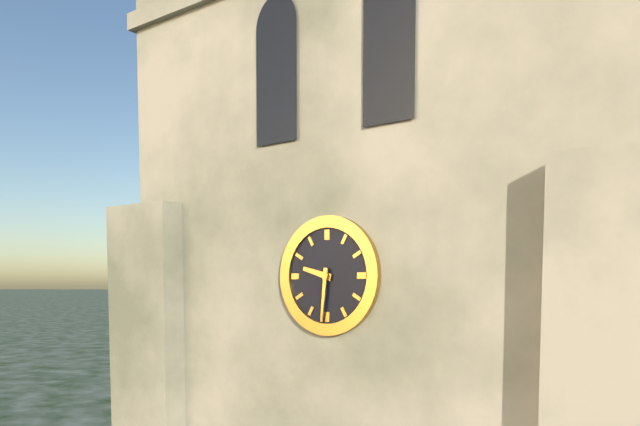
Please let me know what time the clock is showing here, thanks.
9:31
